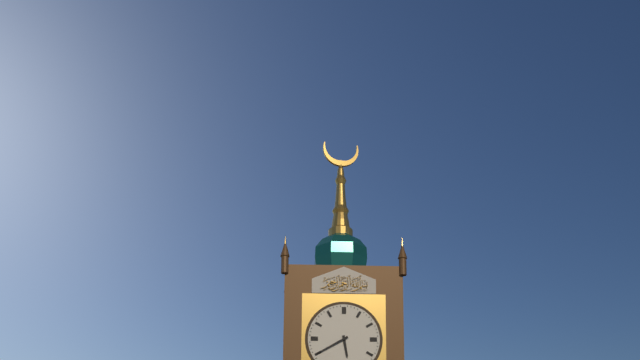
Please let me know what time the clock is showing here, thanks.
5:40
